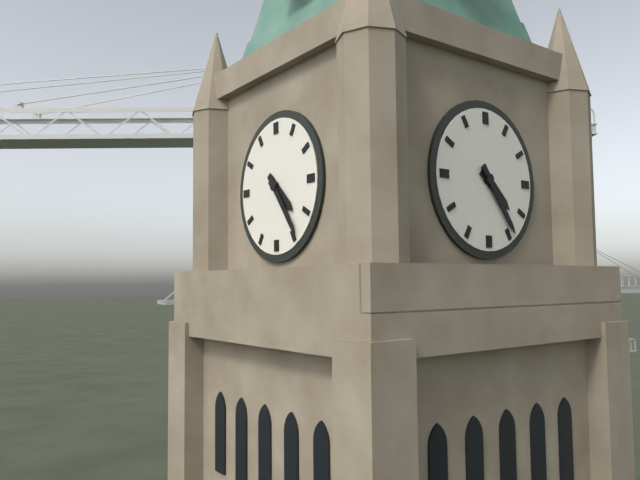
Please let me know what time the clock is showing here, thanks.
4:24
